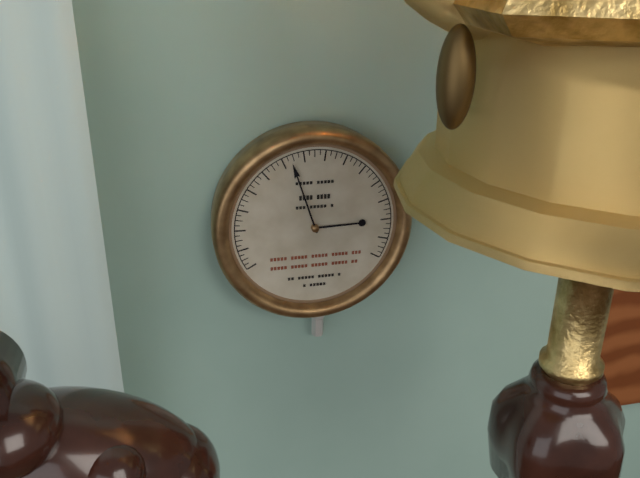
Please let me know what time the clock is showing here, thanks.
2:57
